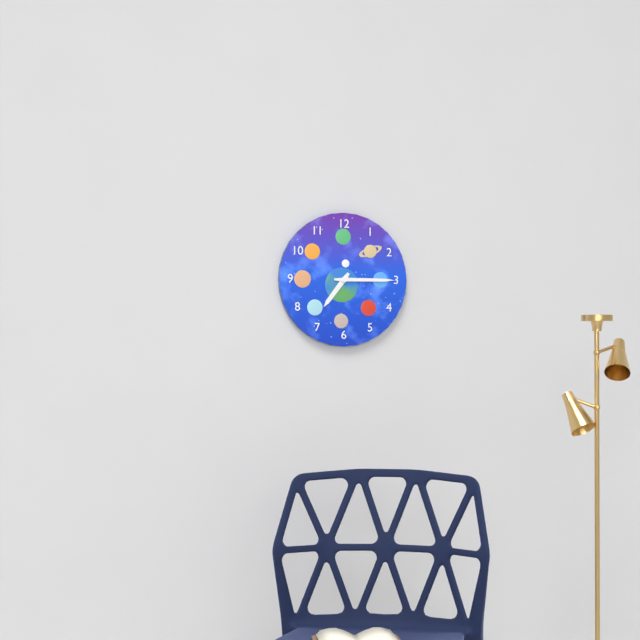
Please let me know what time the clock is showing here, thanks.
7:15
